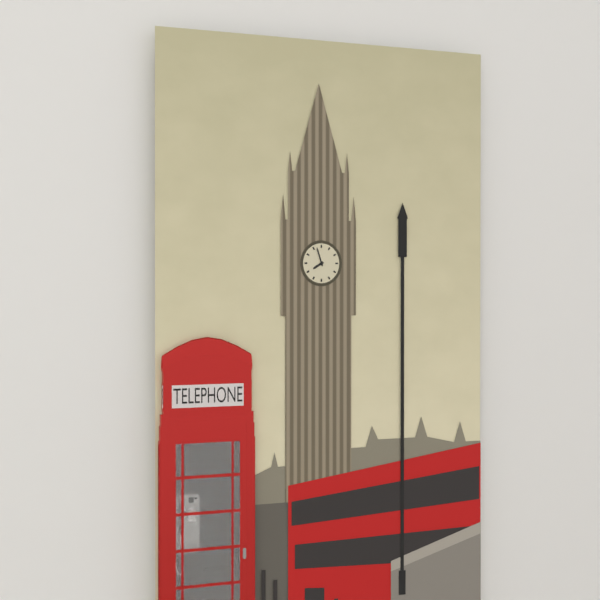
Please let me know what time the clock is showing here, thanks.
7:57
